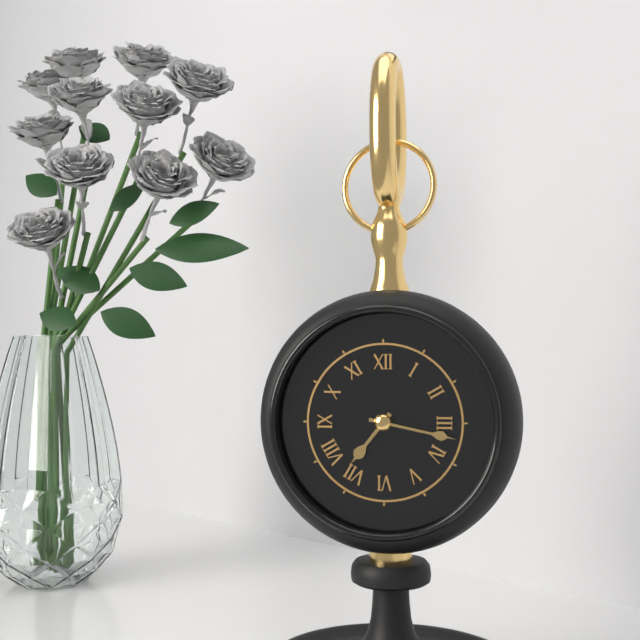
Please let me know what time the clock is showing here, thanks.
7:17
